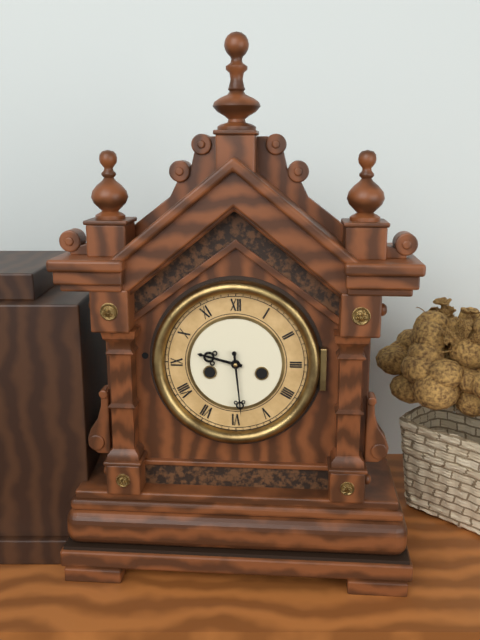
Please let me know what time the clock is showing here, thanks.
9:29
